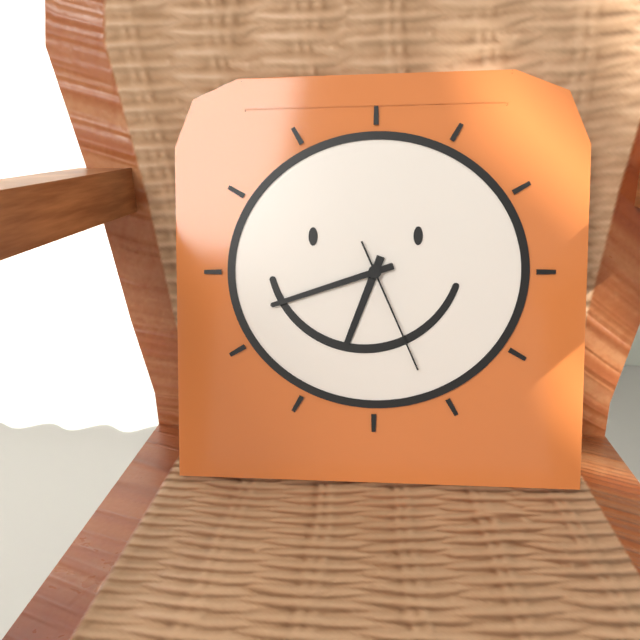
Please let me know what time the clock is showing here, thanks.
6:42:26
